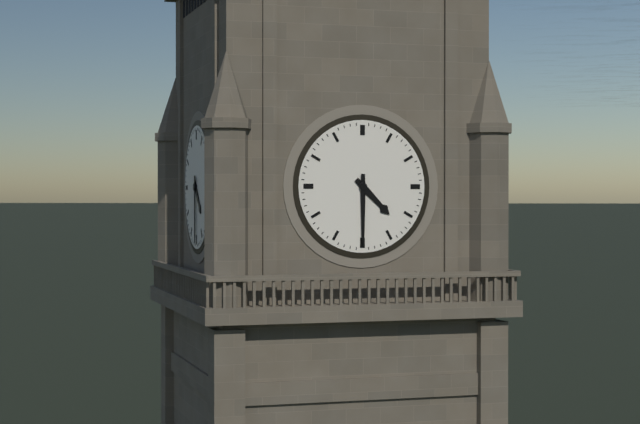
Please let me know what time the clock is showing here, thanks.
4:30
